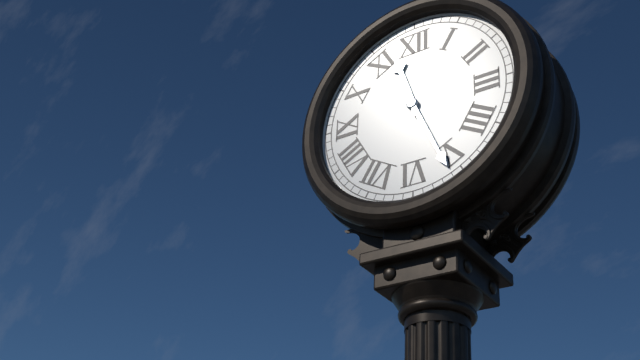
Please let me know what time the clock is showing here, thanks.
11:26
